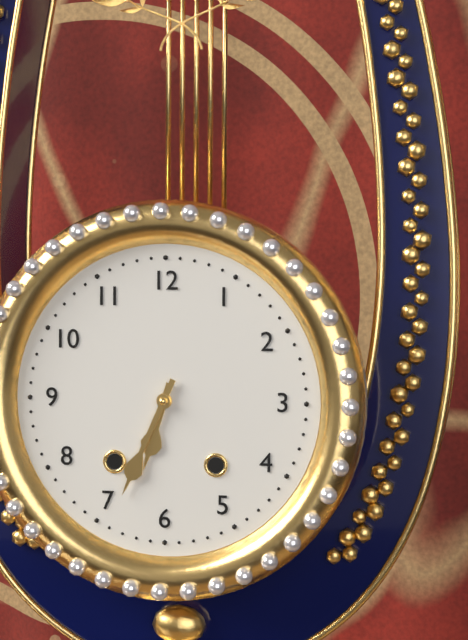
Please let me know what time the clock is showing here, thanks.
6:34
